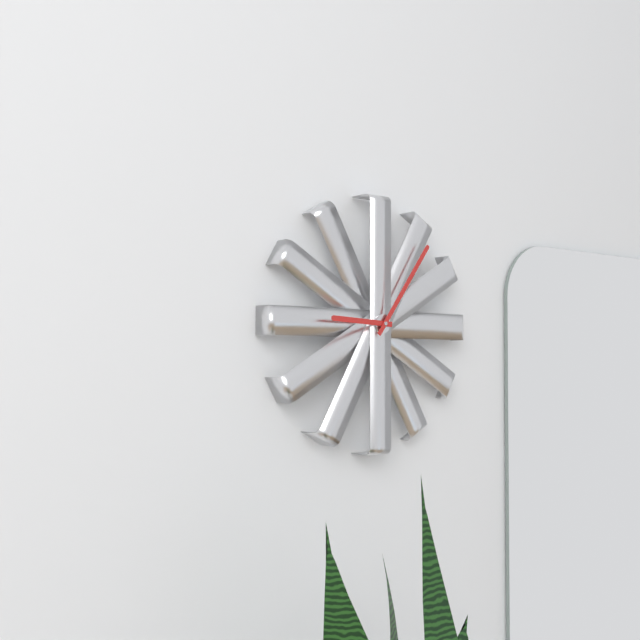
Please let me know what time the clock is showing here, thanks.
9:06
